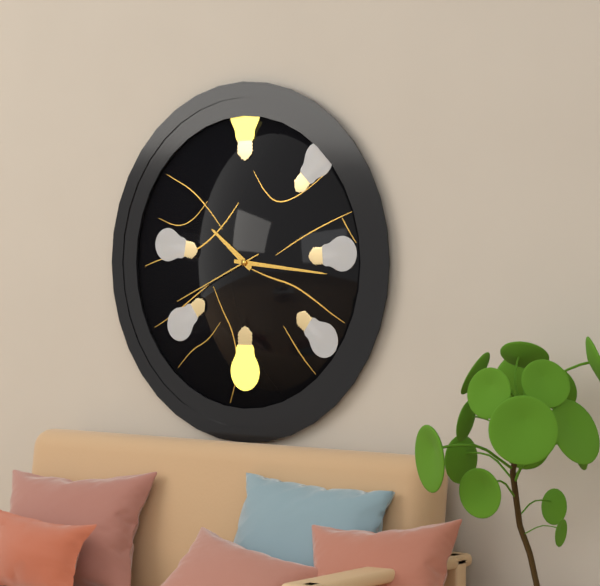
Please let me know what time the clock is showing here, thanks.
10:16:41
